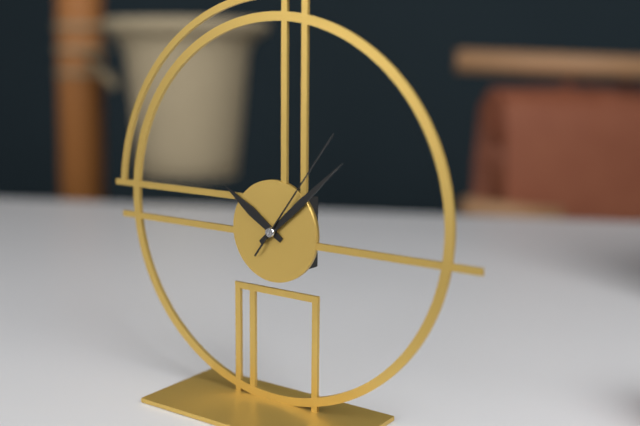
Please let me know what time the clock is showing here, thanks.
10:08:06
